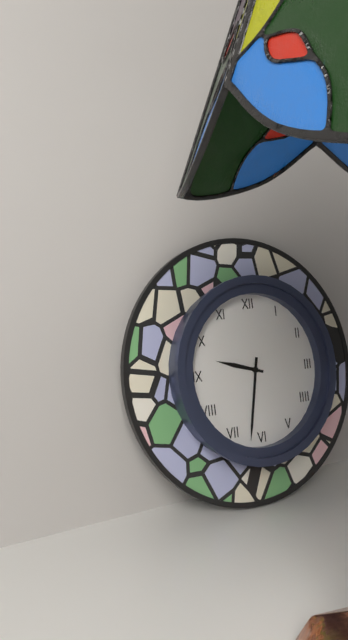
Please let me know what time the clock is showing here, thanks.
9:32
